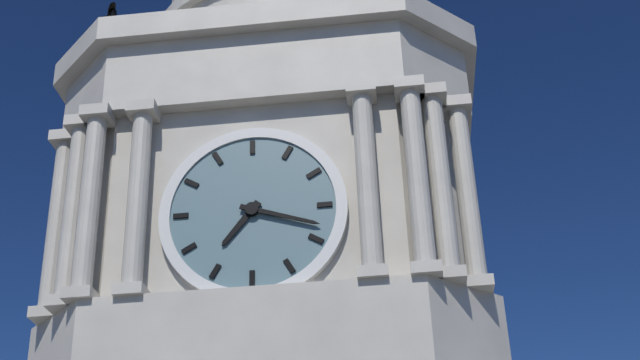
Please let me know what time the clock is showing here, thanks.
7:18
